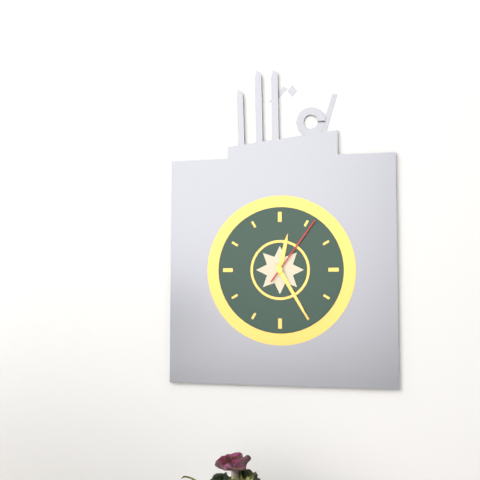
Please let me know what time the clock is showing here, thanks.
12:25:06
